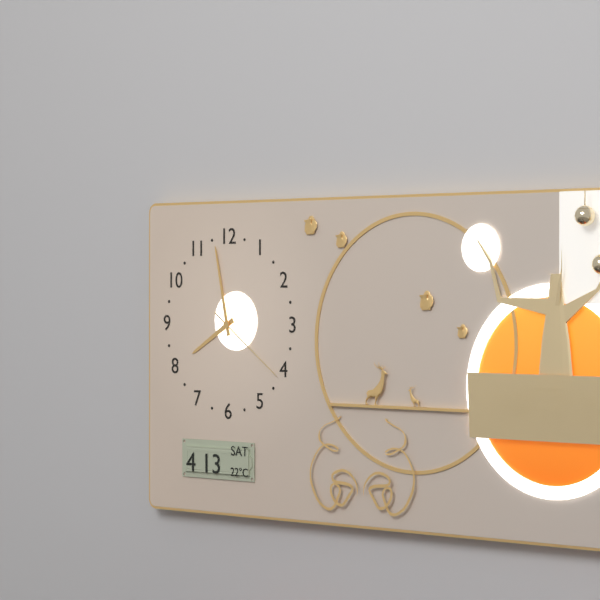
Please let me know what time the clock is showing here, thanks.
7:58:21
